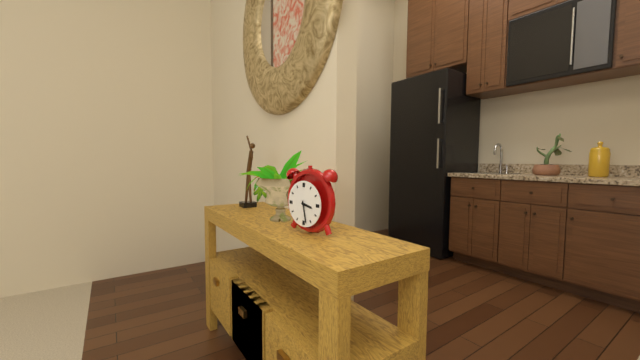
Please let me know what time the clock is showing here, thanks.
3:28
